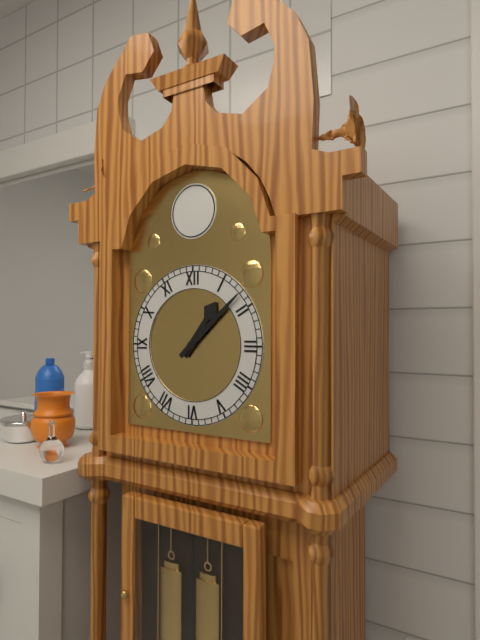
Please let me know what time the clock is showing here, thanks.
1:08
